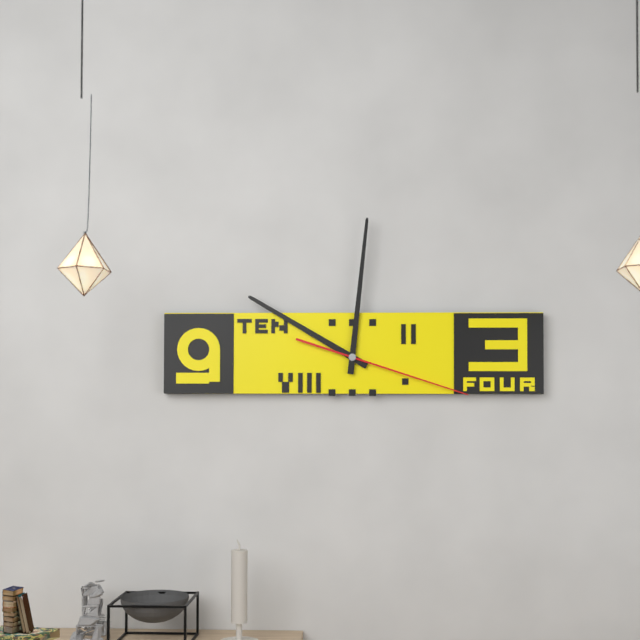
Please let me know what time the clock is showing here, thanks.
10:01:18
